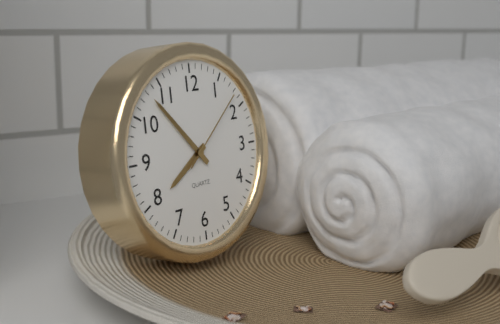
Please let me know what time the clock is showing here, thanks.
7:53:08
